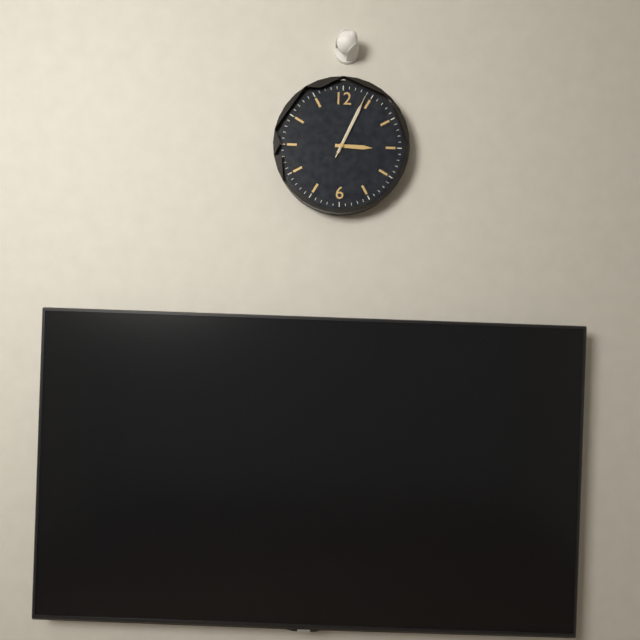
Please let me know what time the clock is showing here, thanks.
3:04:04
